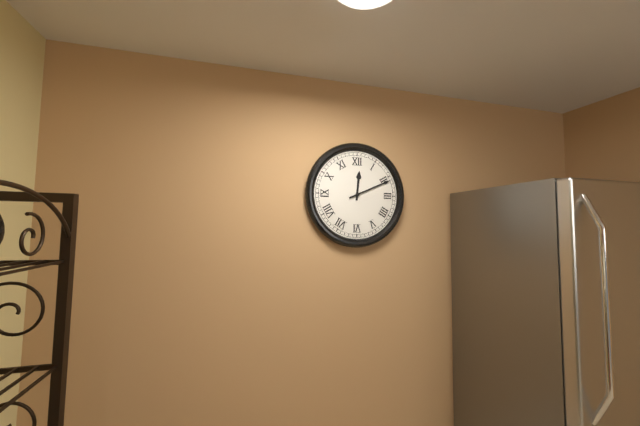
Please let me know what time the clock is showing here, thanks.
12:11
